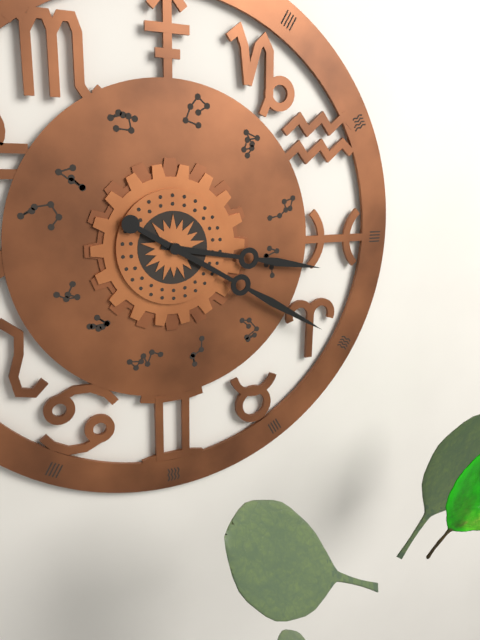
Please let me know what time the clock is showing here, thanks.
3:20
